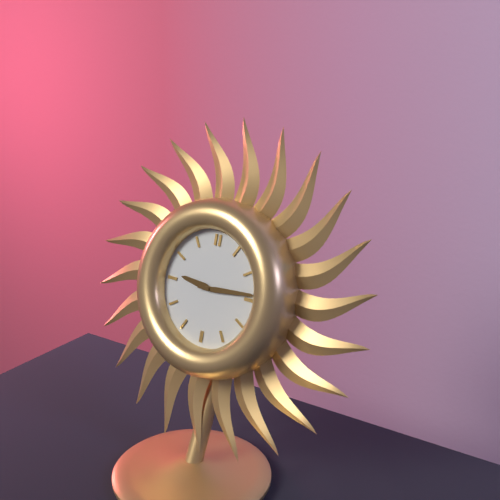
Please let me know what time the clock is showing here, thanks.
9:14
